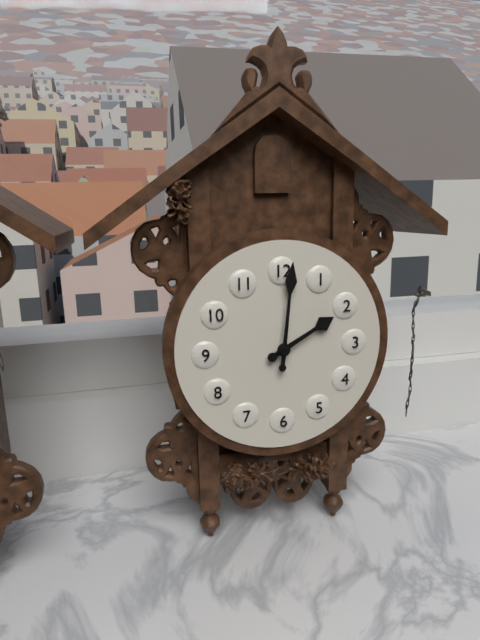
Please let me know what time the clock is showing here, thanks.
2:01
